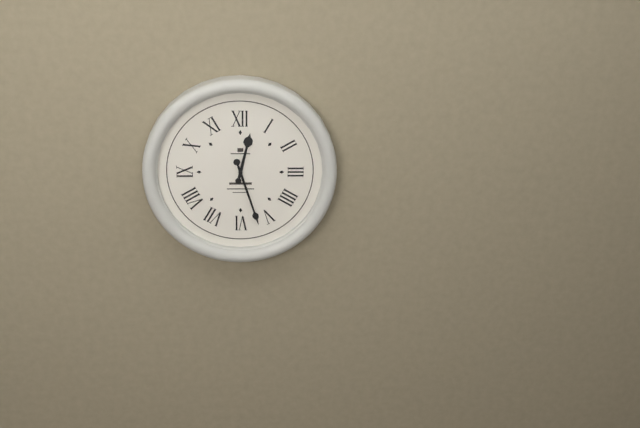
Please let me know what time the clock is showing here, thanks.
12:27
